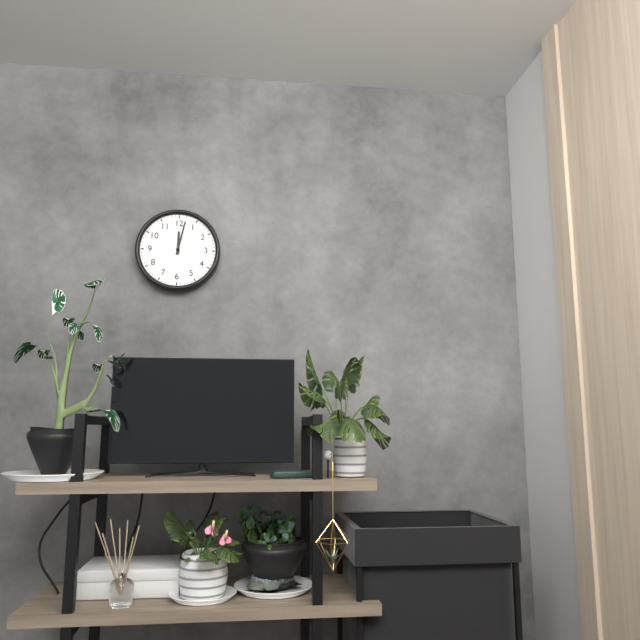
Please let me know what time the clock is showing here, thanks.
12:02
